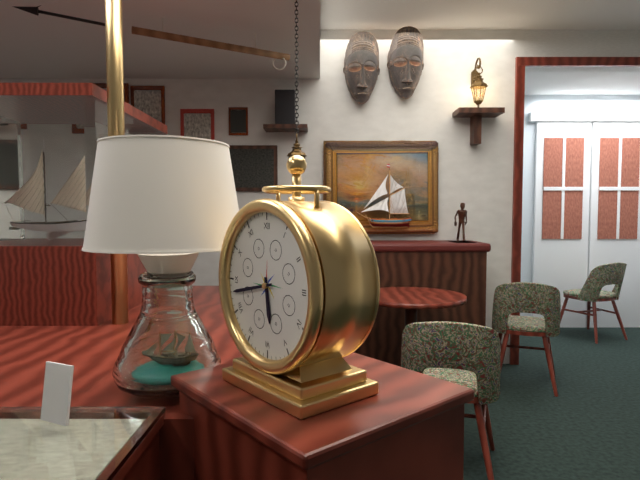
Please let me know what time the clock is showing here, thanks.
5:43
